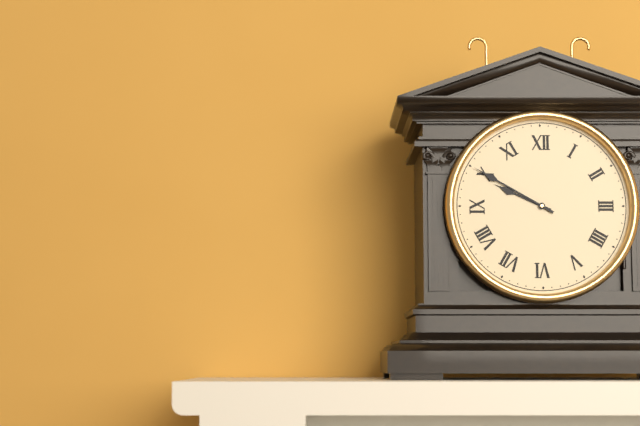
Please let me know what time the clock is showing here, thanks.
9:50
